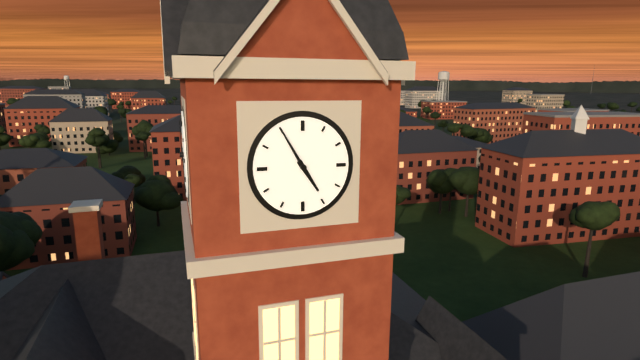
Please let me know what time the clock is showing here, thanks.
4:55
